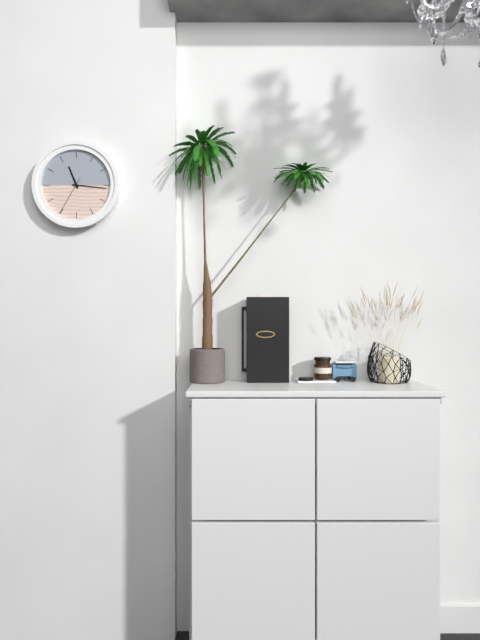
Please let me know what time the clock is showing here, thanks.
11:16
